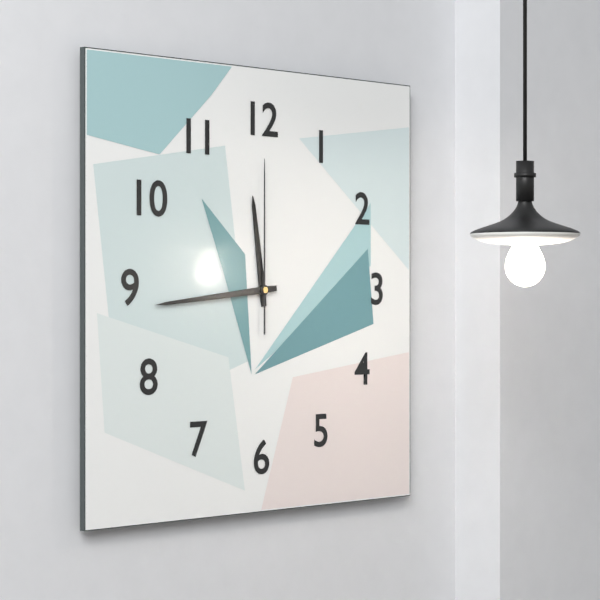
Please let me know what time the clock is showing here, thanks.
11:44:00
